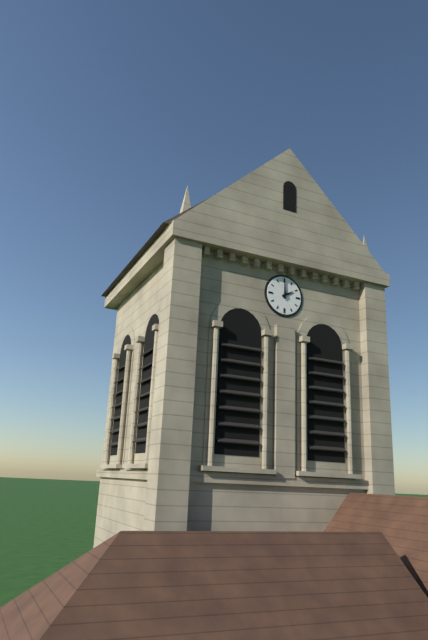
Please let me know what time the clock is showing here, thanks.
2:00
